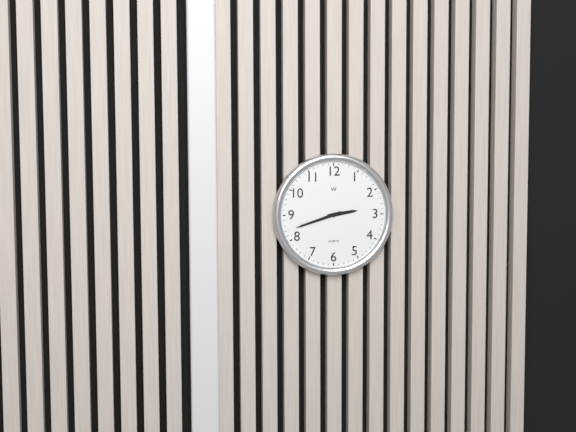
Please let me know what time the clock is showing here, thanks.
2:42
